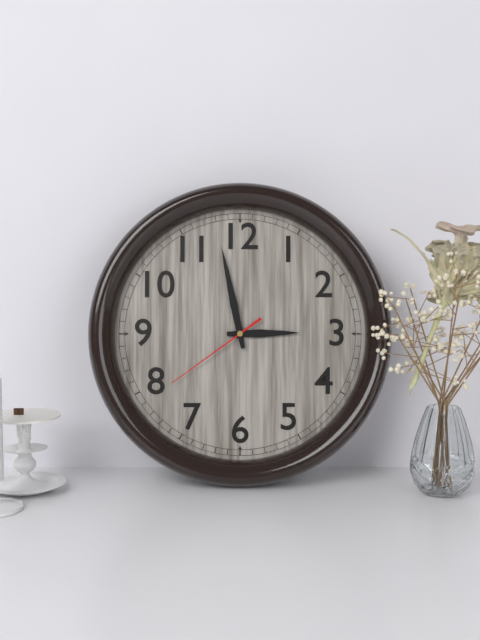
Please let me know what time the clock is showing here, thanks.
2:58:39
